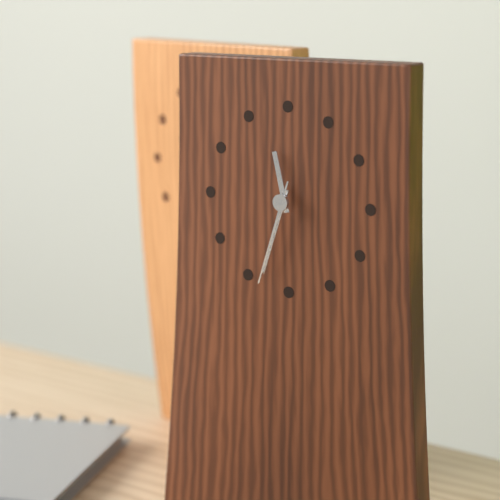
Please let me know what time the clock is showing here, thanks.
11:33:33
